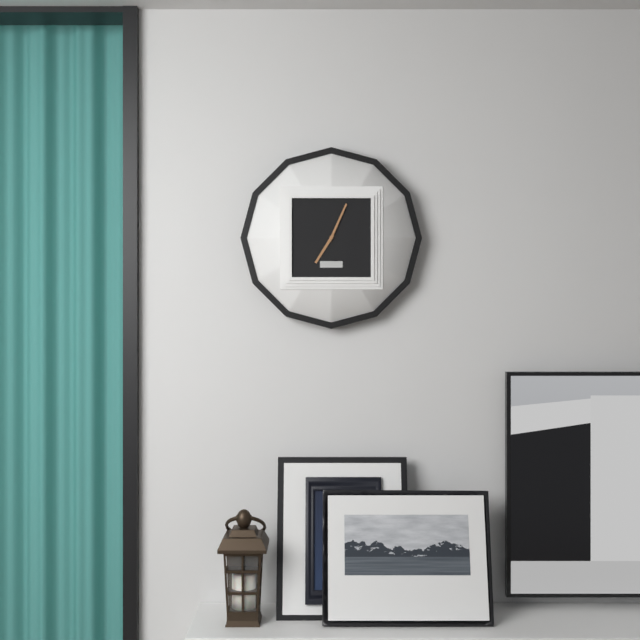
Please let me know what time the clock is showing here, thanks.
7:04
